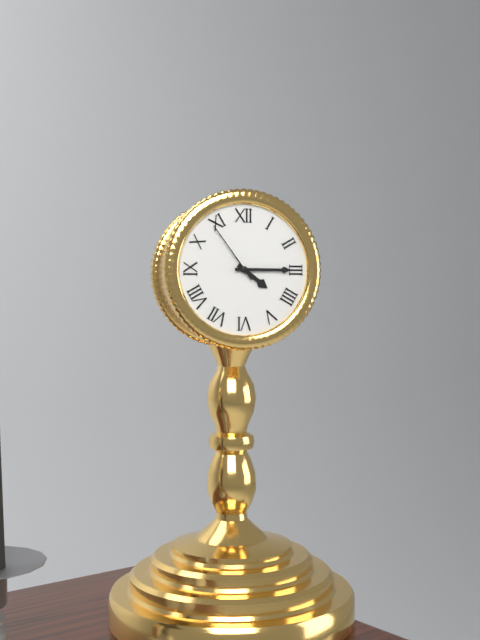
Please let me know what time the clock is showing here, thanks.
4:15:54
